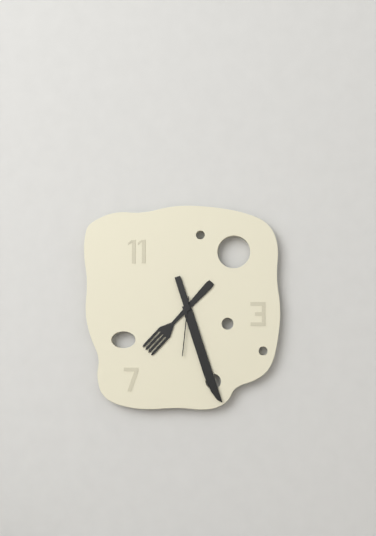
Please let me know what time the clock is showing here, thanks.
7:27:31
